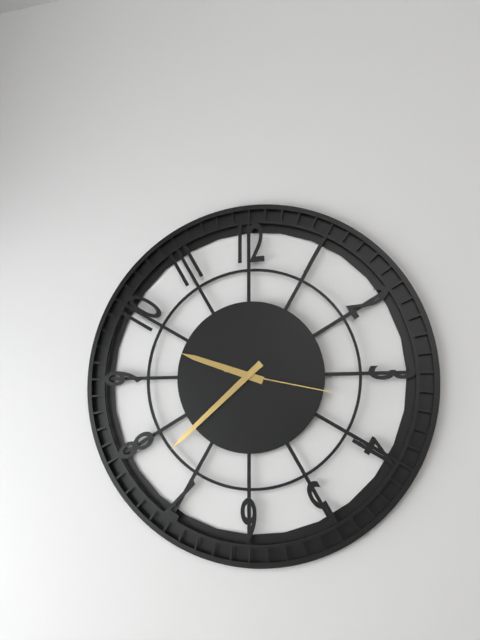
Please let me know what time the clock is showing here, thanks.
9:38:17
